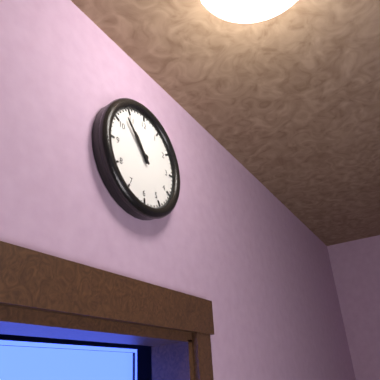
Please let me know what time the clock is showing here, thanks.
10:53
